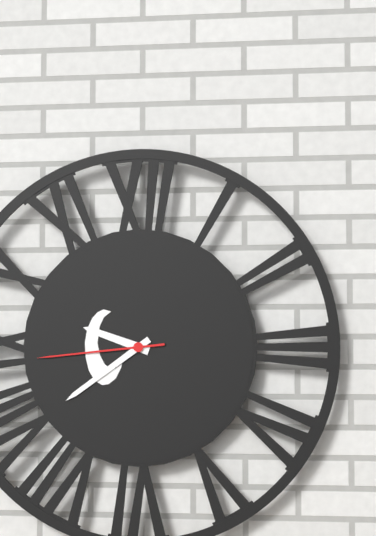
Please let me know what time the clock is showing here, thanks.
9:39:44
